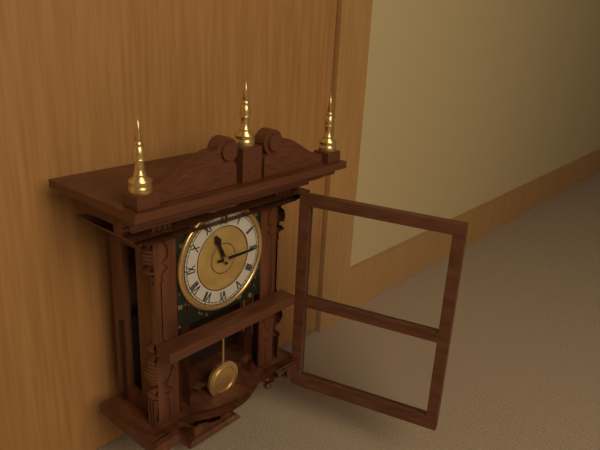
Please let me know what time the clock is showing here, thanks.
11:15
